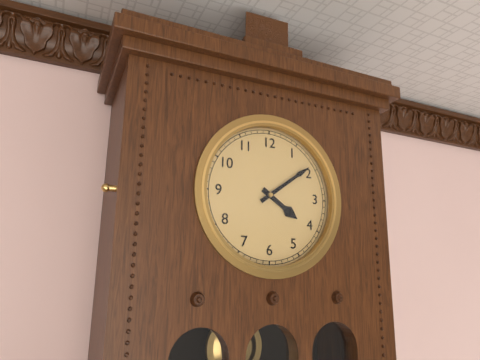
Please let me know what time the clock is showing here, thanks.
4:09
